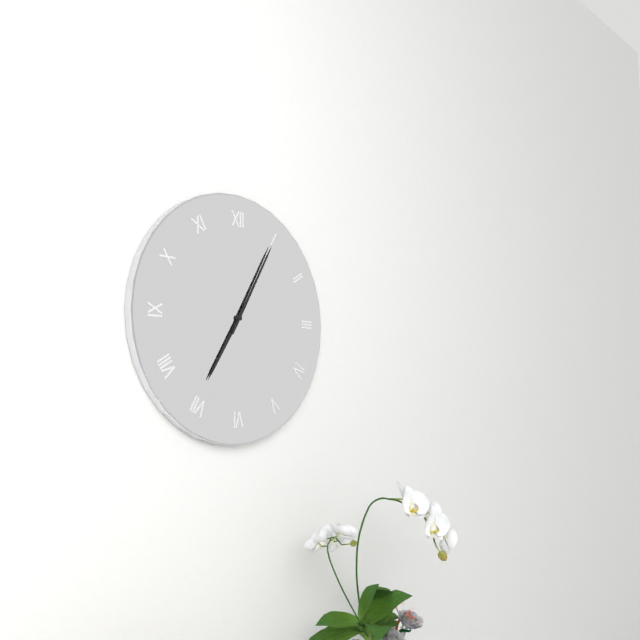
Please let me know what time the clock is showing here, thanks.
7:05
